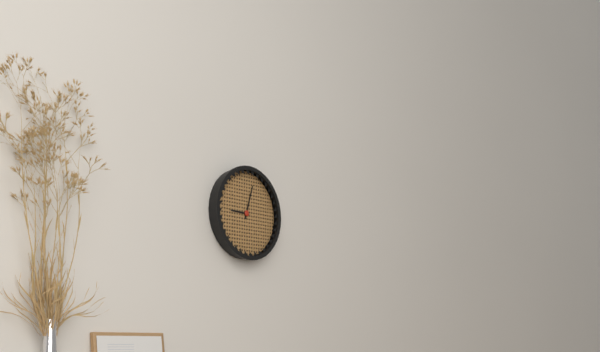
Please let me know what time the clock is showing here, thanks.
9:03
